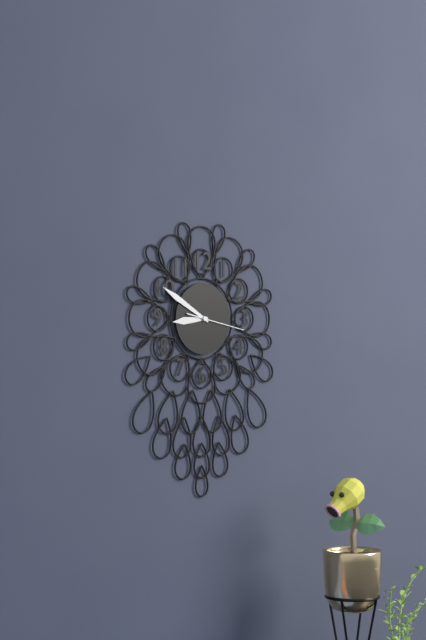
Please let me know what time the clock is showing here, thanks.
8:50:17
